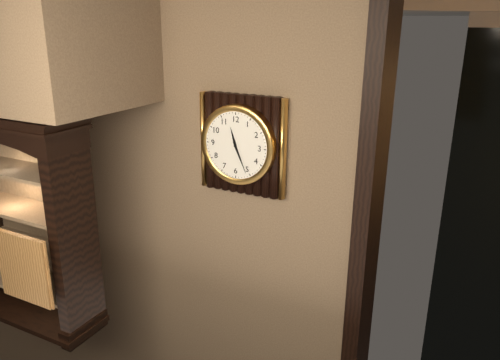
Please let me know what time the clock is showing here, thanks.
11:26
